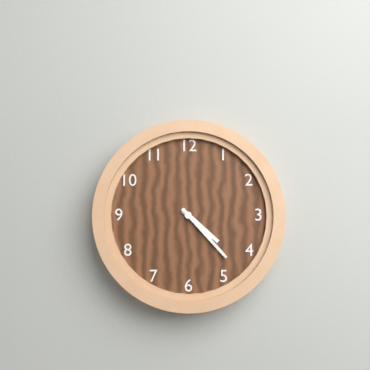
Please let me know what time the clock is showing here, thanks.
4:23
